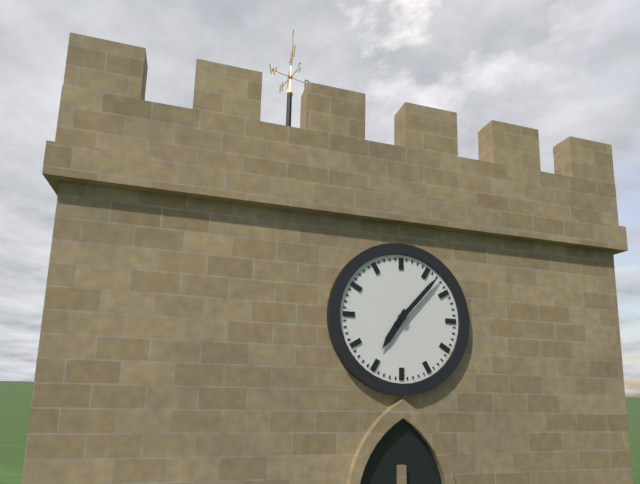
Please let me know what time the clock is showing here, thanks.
7:07
